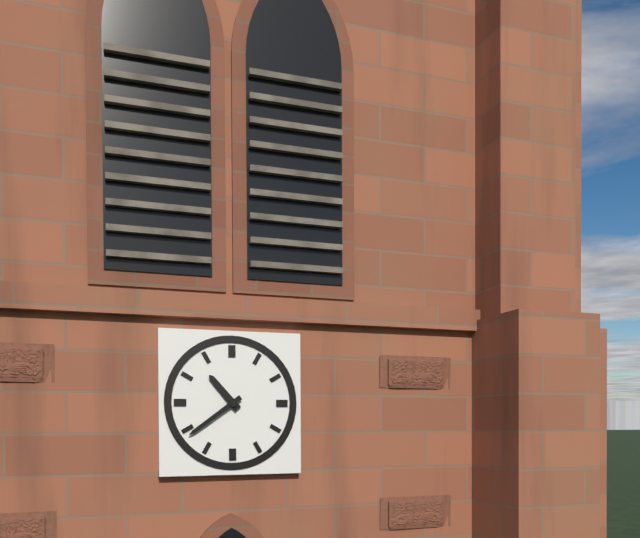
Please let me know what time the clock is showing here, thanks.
10:39
